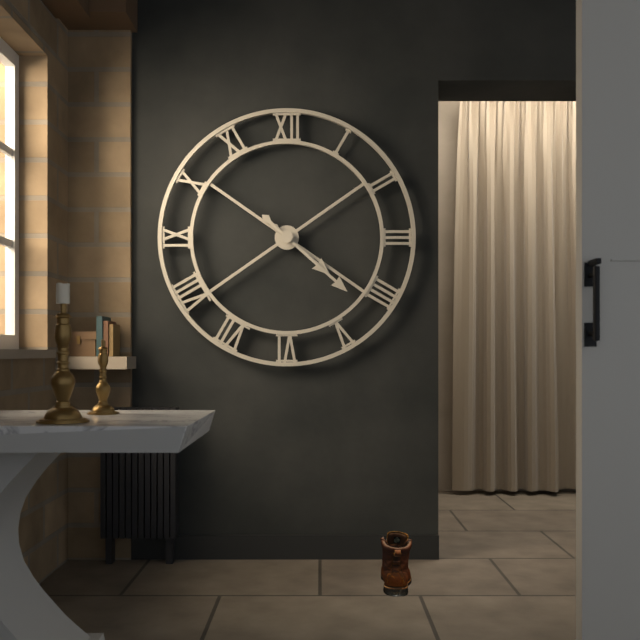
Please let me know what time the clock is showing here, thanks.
4:22
